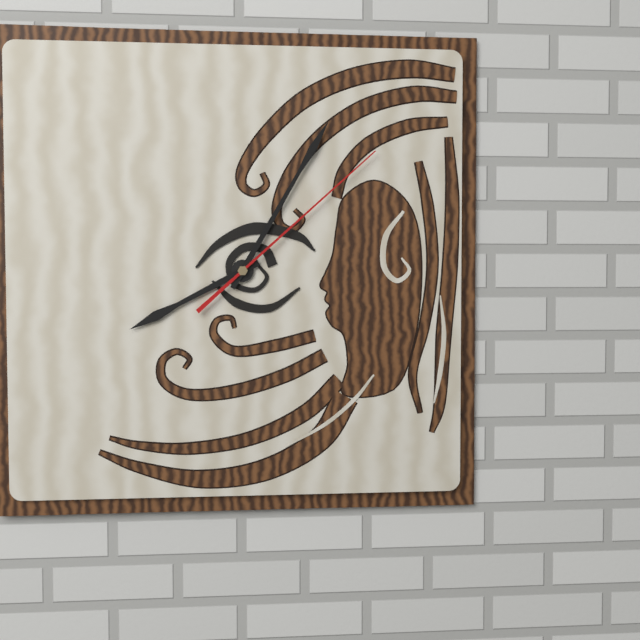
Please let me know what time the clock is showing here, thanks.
8:05:08
